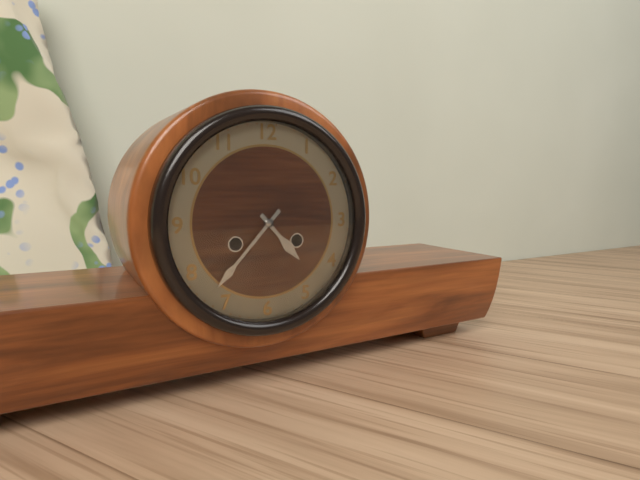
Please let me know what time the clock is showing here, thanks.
4:37
